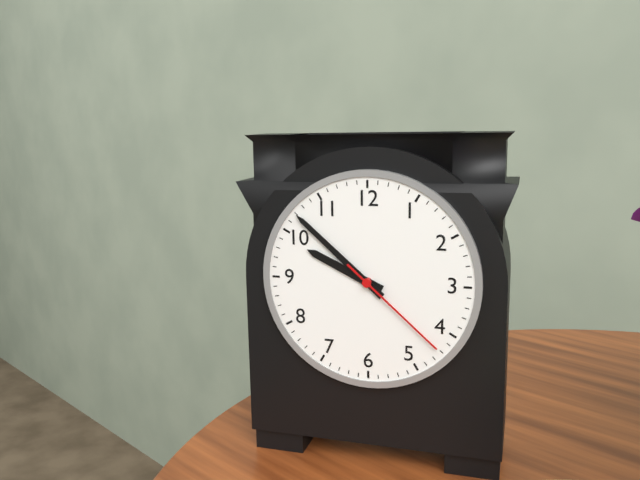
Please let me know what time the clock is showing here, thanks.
9:52:22
